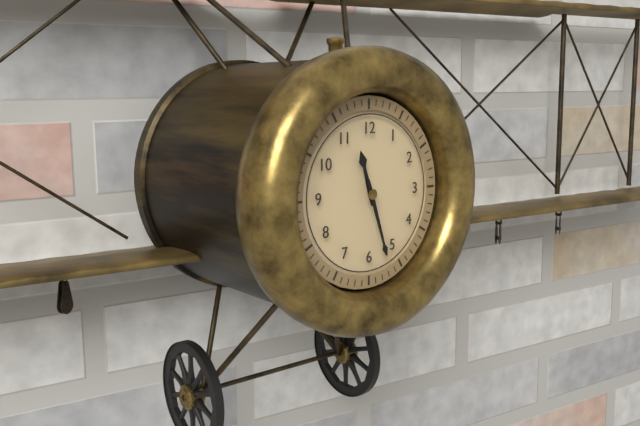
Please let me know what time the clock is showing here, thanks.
11:27
